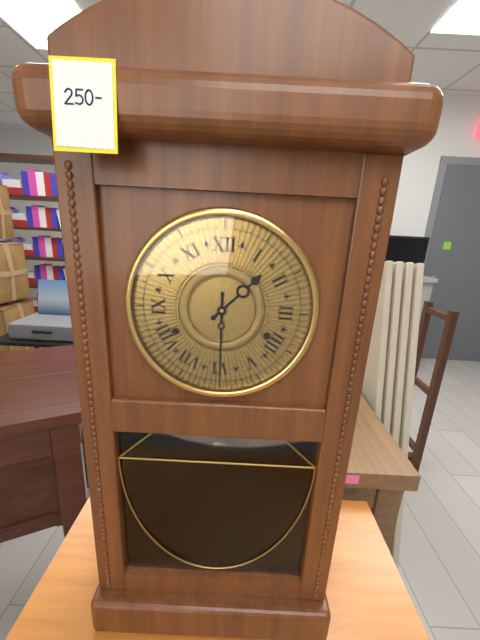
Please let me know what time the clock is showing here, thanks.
1:30
